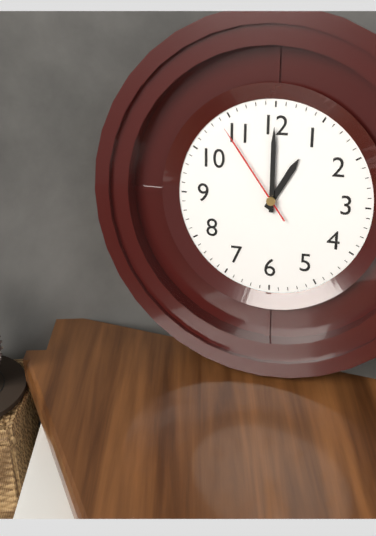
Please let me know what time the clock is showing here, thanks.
1:00:54
